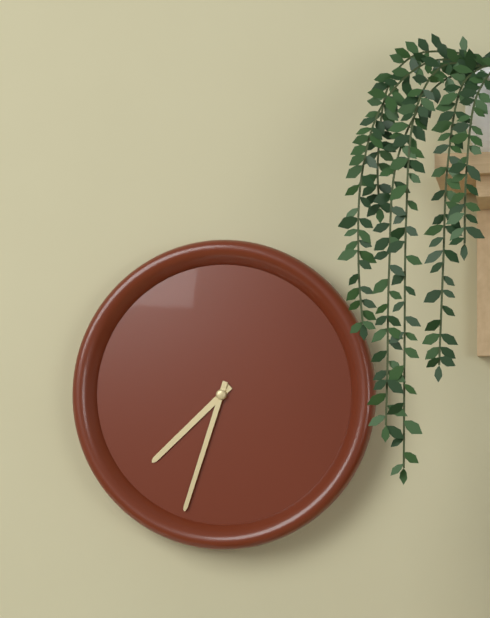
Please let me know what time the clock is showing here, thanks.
7:33
